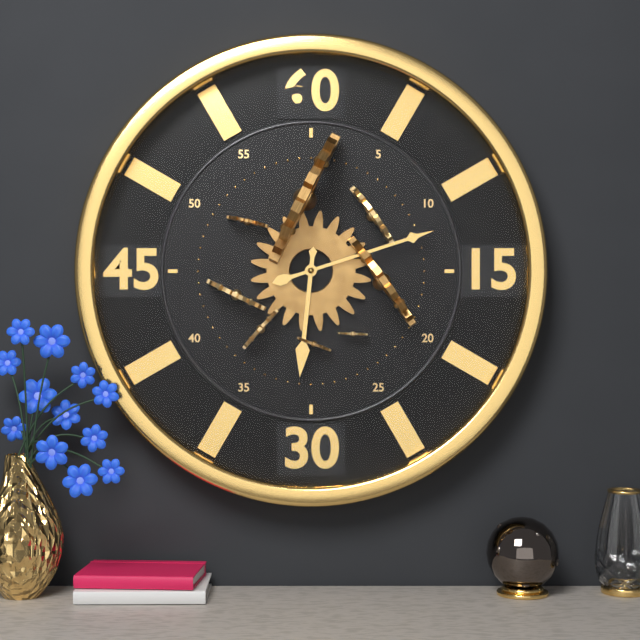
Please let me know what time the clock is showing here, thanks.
6:12
